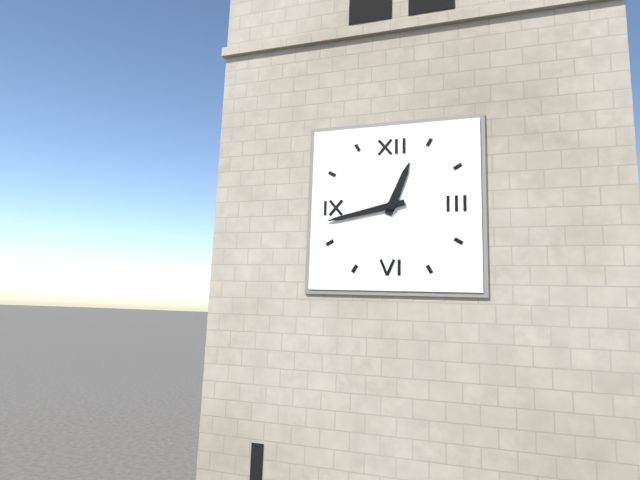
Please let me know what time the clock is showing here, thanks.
12:43
